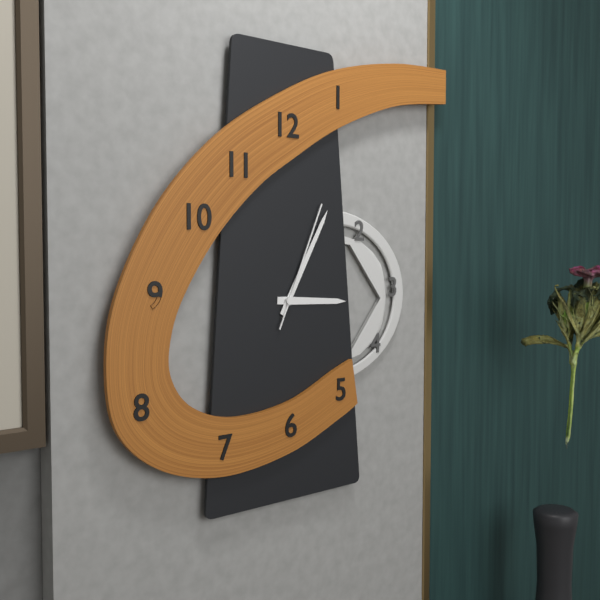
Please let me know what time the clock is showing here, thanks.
3:05:04
